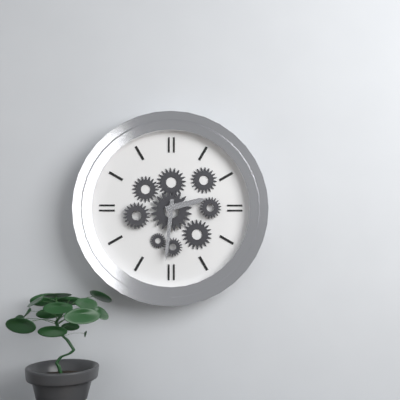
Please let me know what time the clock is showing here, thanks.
2:31
